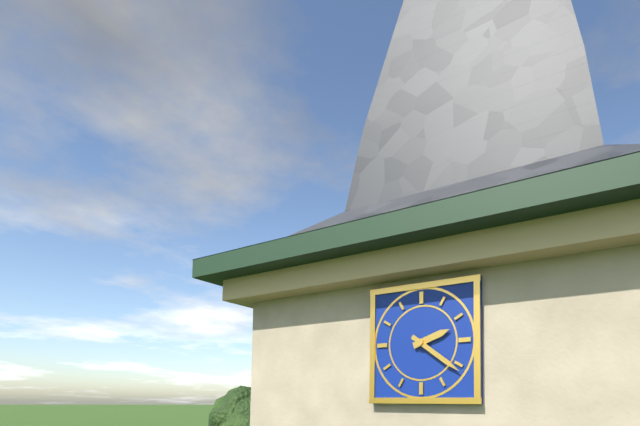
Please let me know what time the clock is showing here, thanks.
2:21
